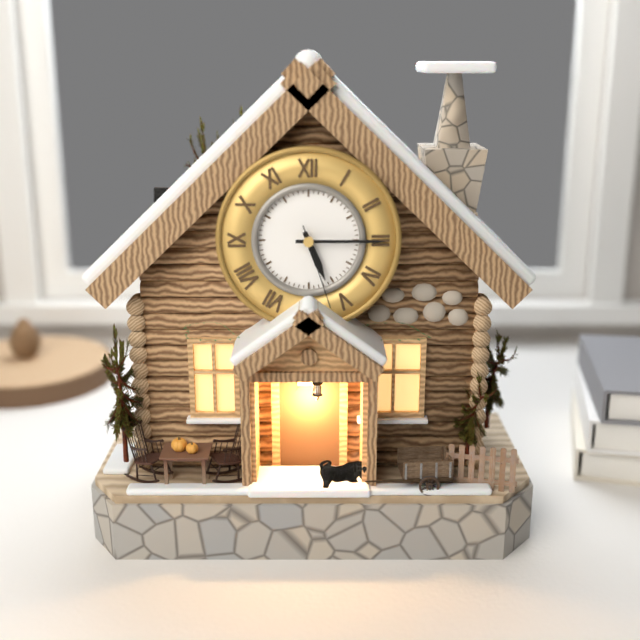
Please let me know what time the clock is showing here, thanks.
5:15:27
